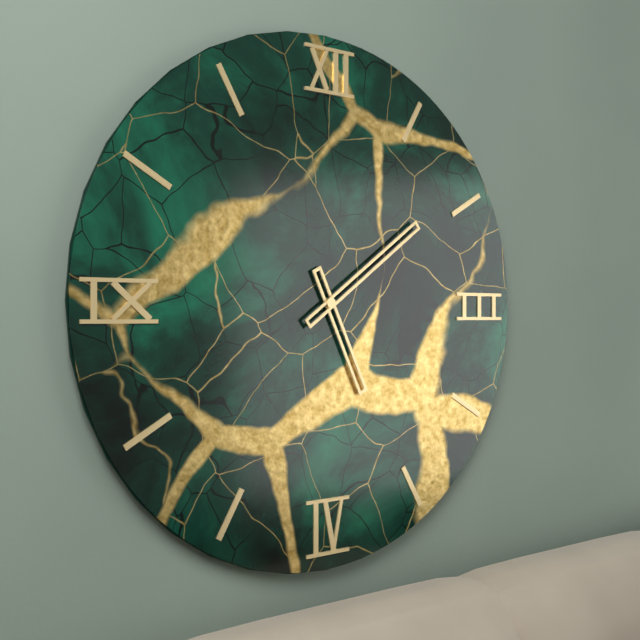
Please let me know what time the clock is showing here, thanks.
5:09
